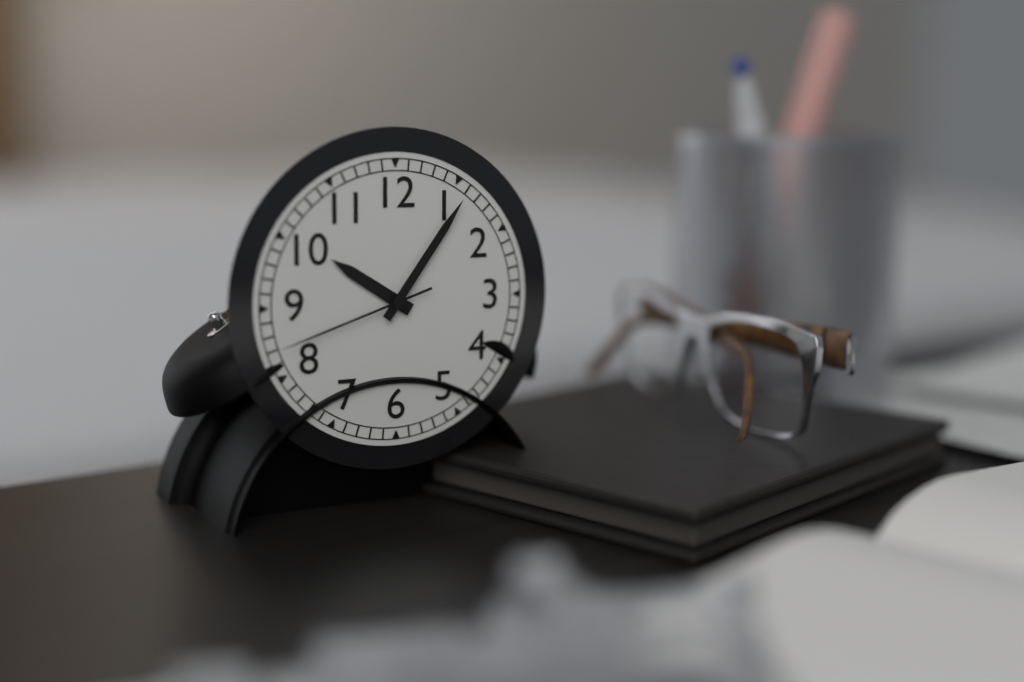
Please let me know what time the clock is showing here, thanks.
10:06:42
